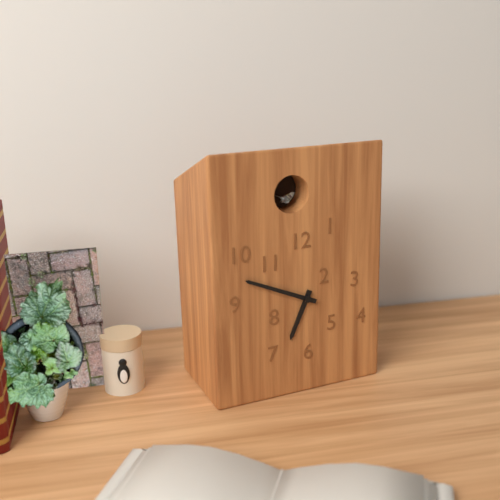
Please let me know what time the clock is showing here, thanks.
6:49
